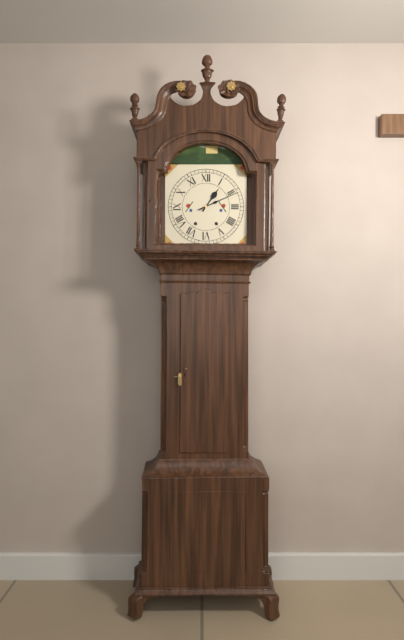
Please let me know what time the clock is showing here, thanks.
1:11
